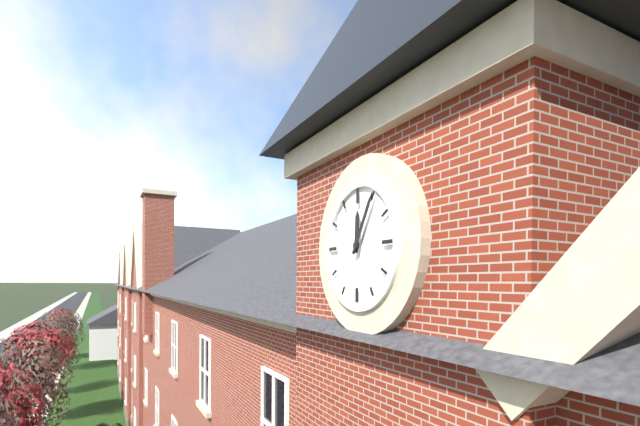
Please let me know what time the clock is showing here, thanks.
12:05
